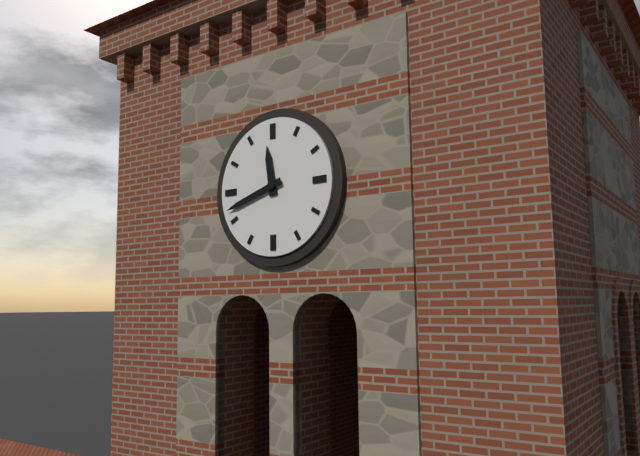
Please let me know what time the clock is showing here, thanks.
11:42
